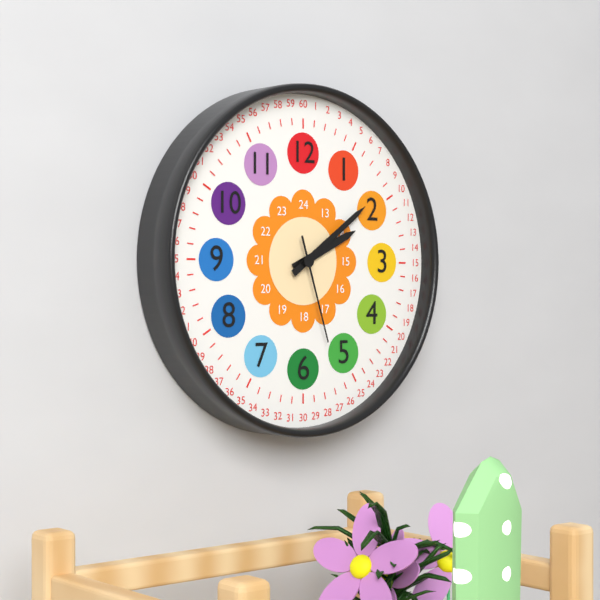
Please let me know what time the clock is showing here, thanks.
2:09:27
